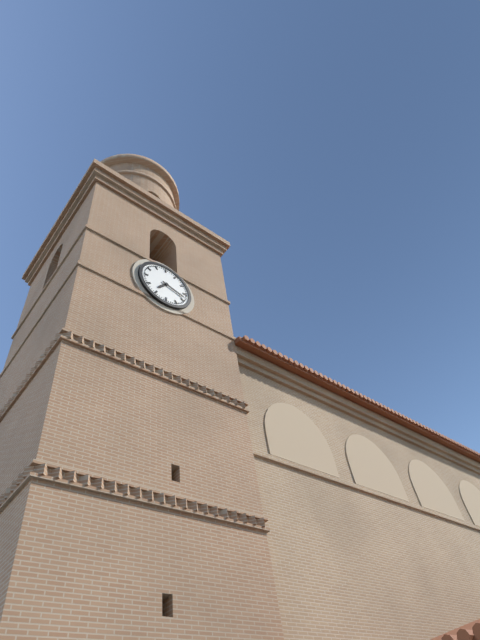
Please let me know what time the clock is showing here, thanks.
7:18
